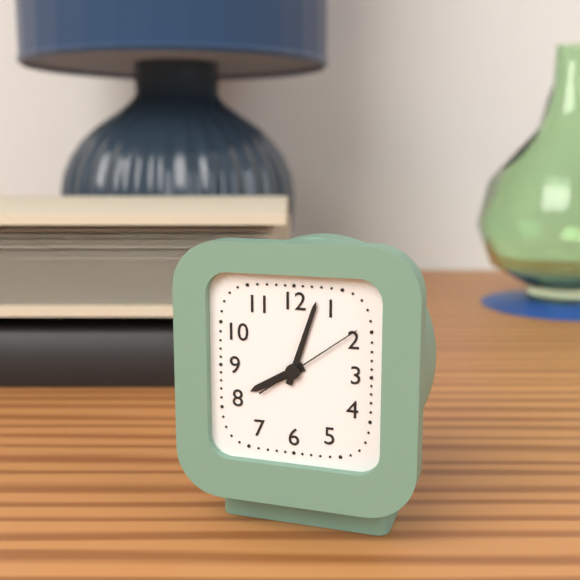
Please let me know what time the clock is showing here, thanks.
8:03:09
